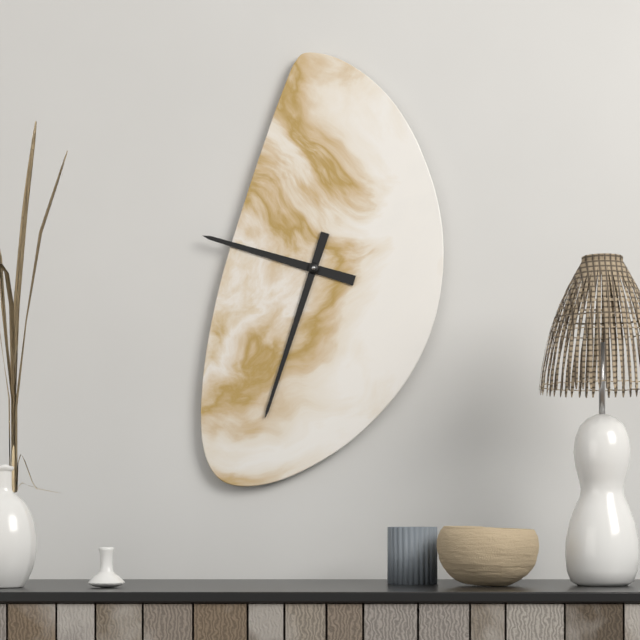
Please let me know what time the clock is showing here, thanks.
9:33
